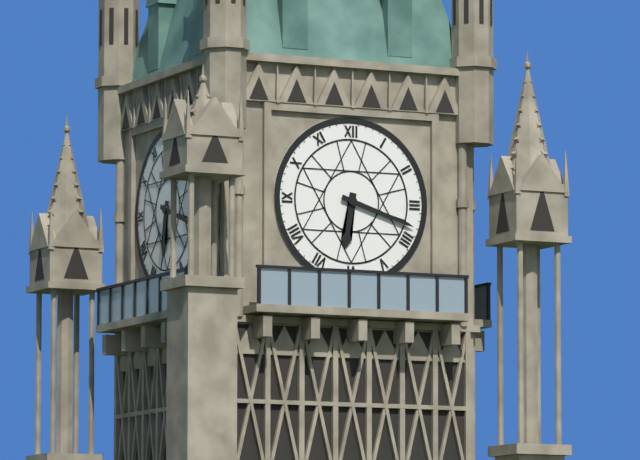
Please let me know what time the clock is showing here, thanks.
6:18
